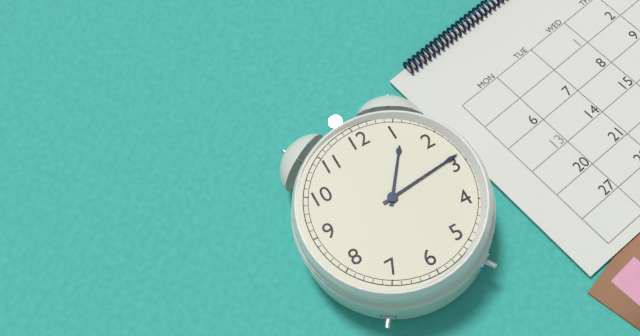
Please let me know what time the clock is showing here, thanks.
1:14
